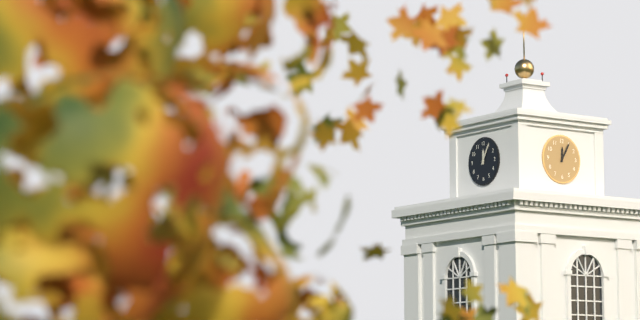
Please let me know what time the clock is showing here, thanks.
12:05
